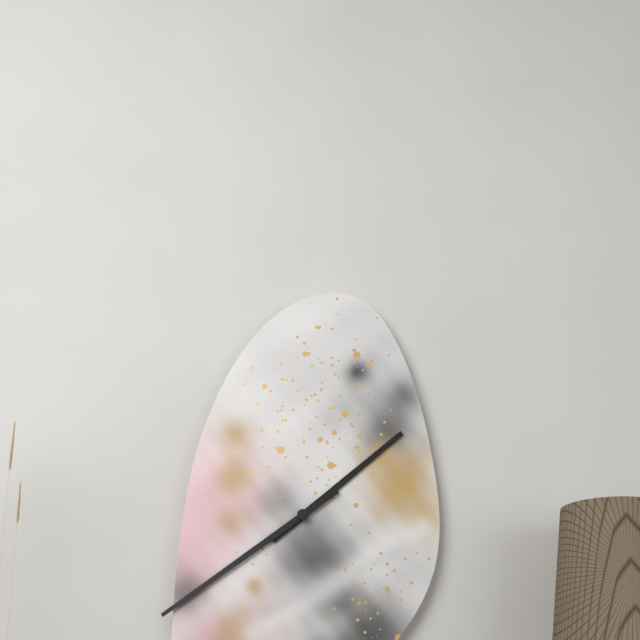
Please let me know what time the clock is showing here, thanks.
1:39
